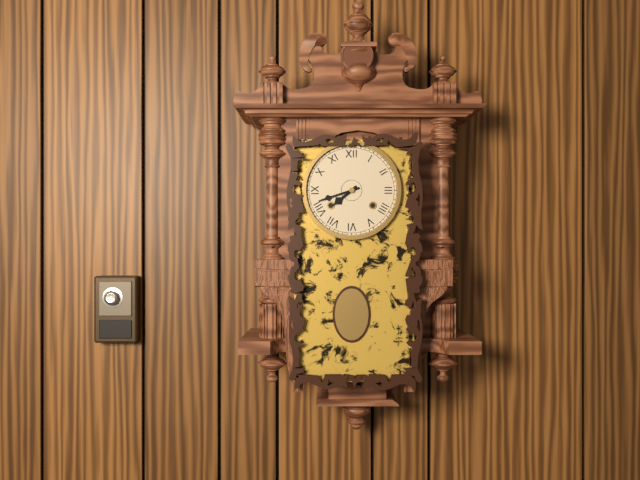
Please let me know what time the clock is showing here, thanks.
7:42
